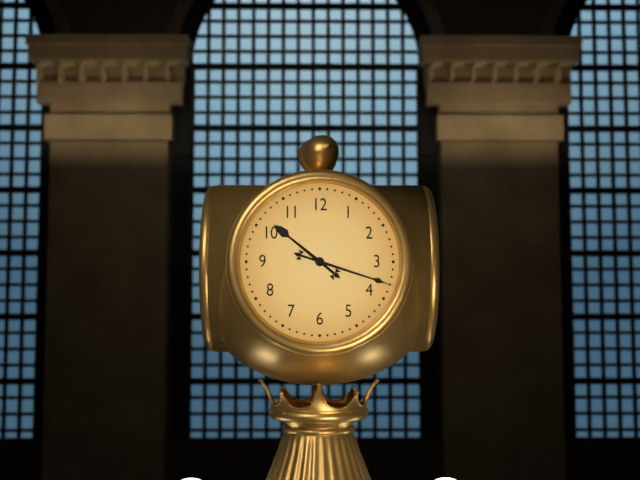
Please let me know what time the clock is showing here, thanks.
10:18
